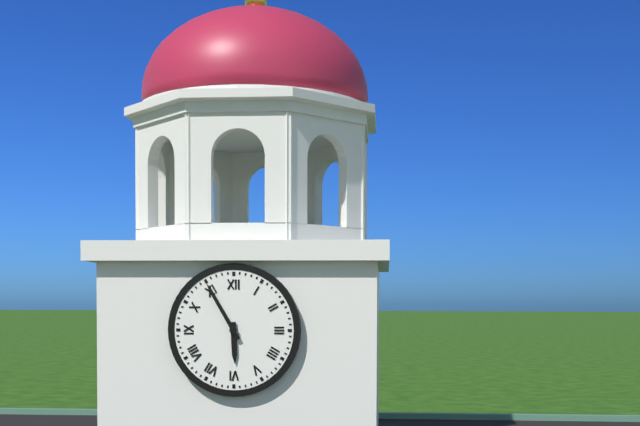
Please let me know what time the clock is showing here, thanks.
5:55
